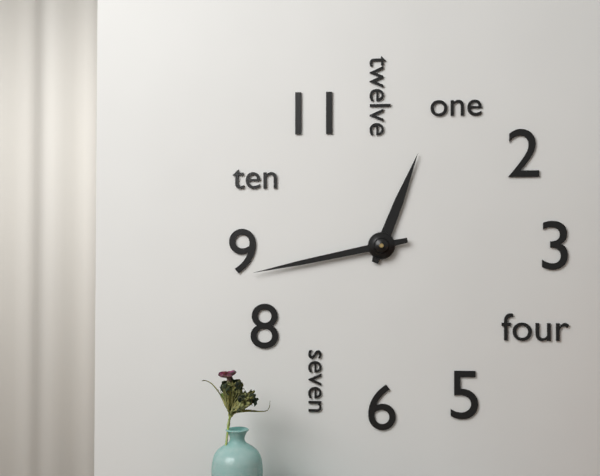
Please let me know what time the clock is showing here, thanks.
12:43
